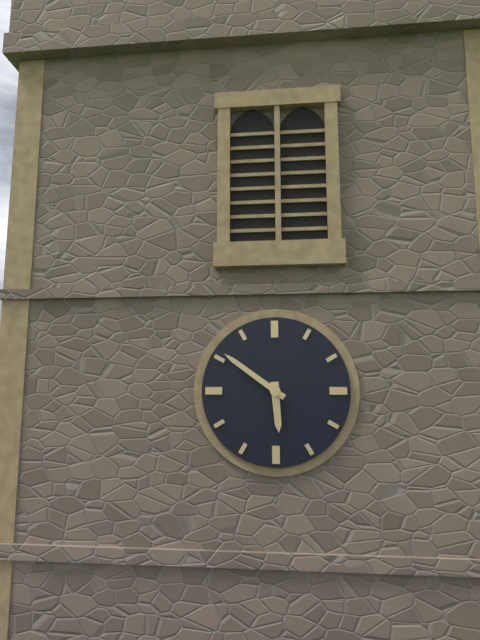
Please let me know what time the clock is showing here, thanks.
5:51
